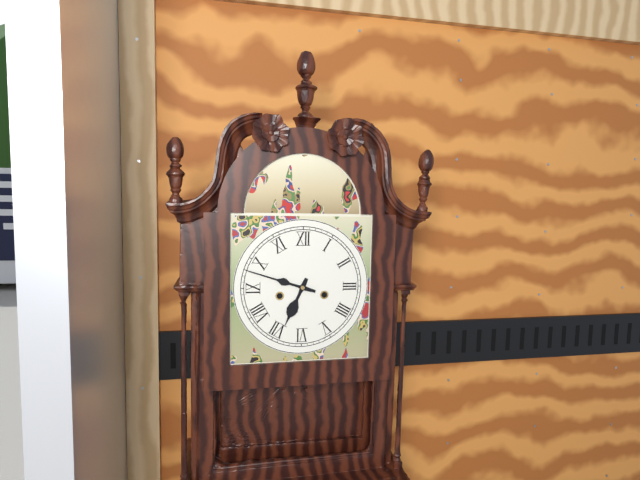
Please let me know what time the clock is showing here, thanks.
6:48
